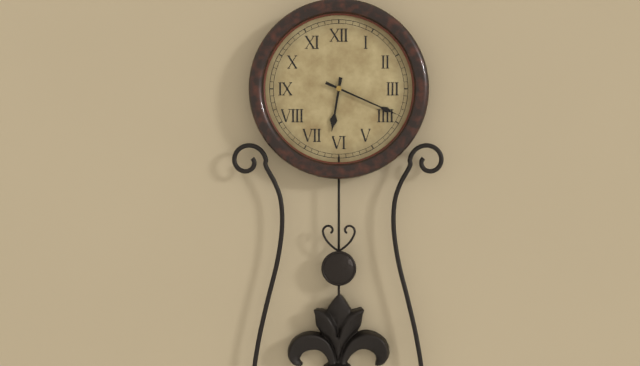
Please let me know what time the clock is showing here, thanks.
6:19
